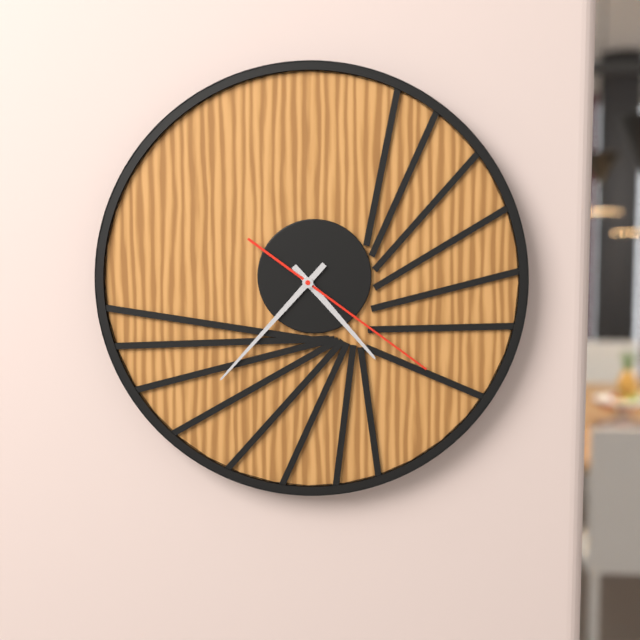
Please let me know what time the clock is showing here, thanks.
4:37:21
